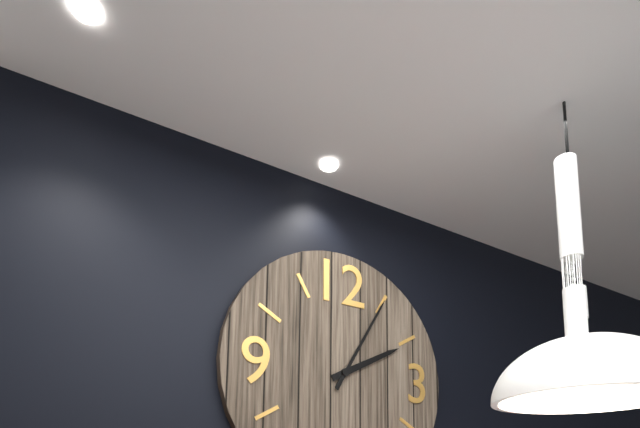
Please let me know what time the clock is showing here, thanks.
2:05
